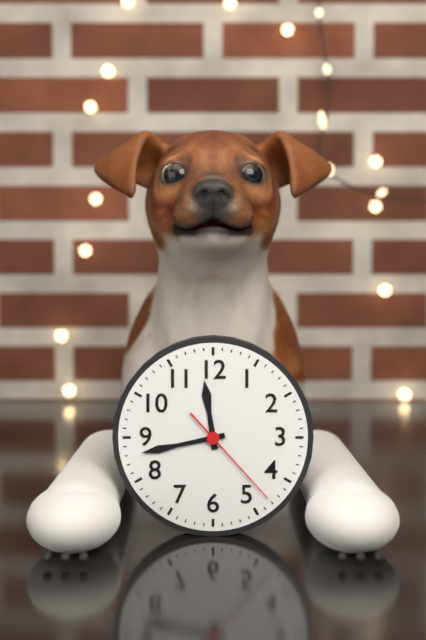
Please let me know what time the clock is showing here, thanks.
11:43:23
